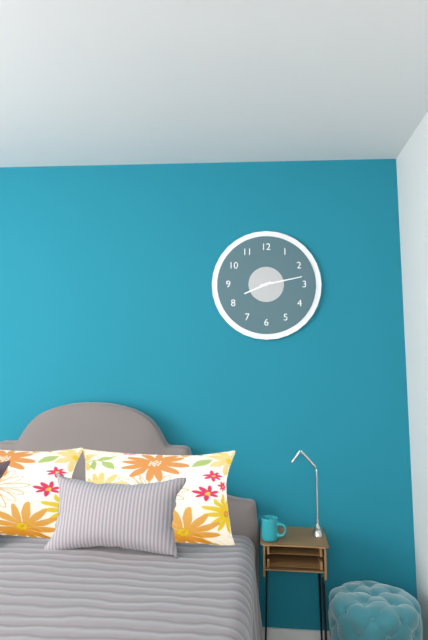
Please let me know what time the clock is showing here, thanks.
8:13
